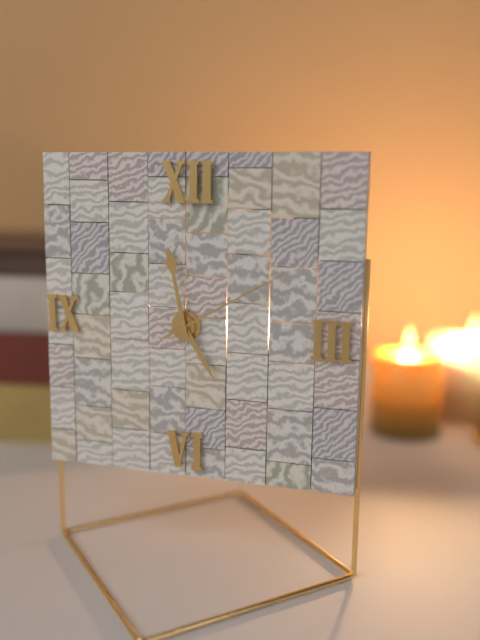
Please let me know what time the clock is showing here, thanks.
4:58:10
